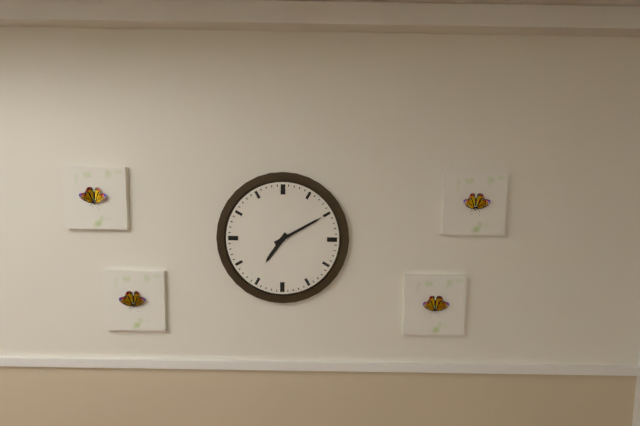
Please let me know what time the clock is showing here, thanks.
7:10
